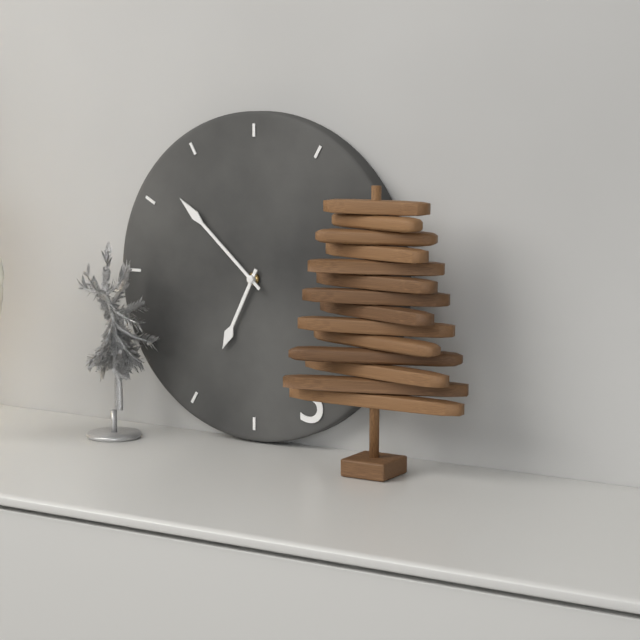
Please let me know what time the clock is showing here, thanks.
6:52
